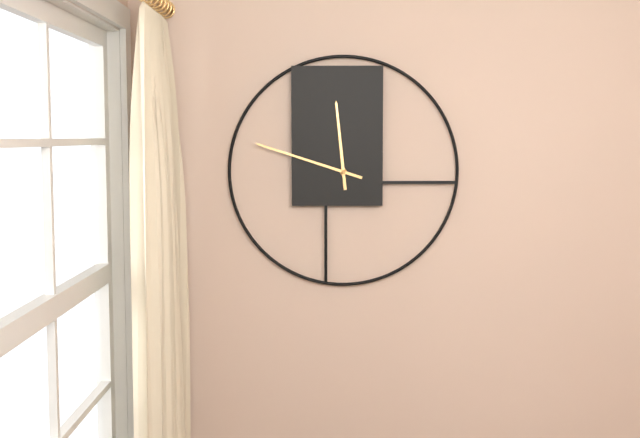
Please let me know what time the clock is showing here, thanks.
11:48
